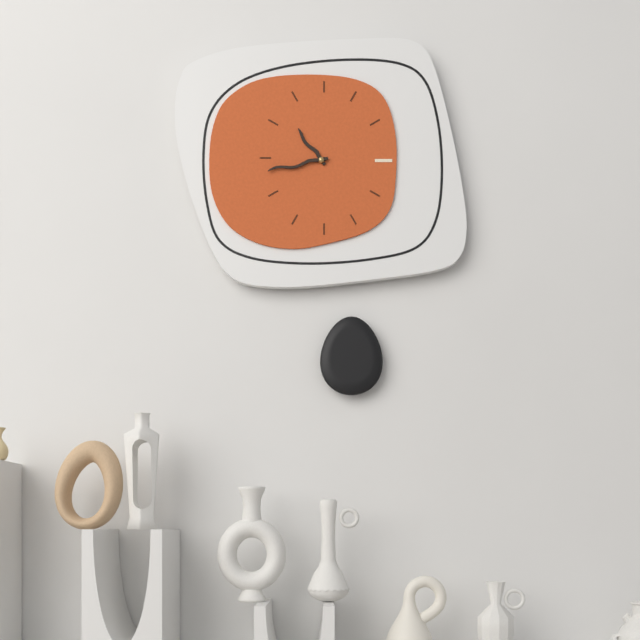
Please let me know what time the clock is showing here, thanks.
10:43
